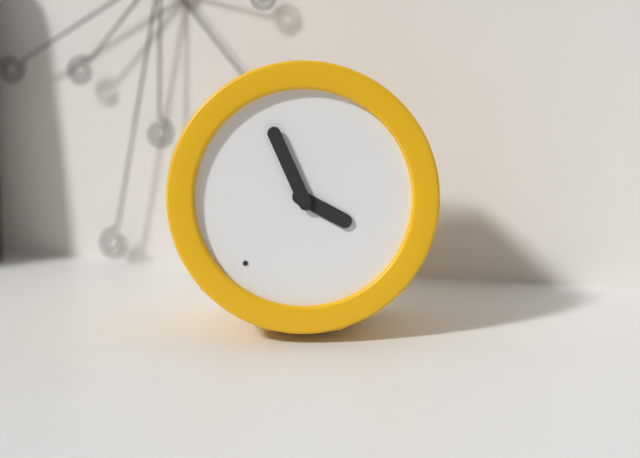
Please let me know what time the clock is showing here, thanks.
3:56
